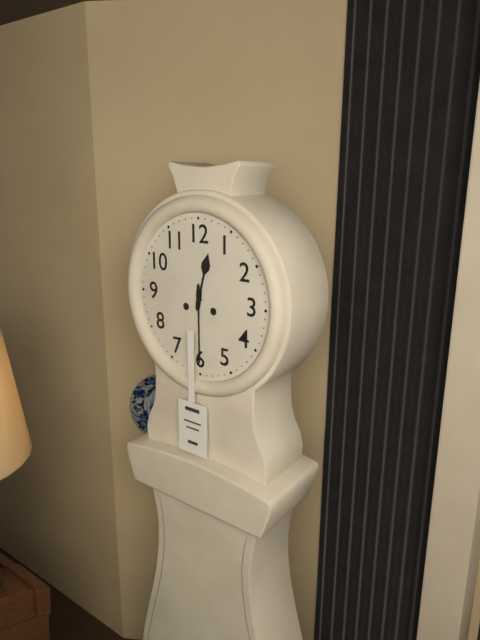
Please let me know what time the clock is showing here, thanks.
12:30
